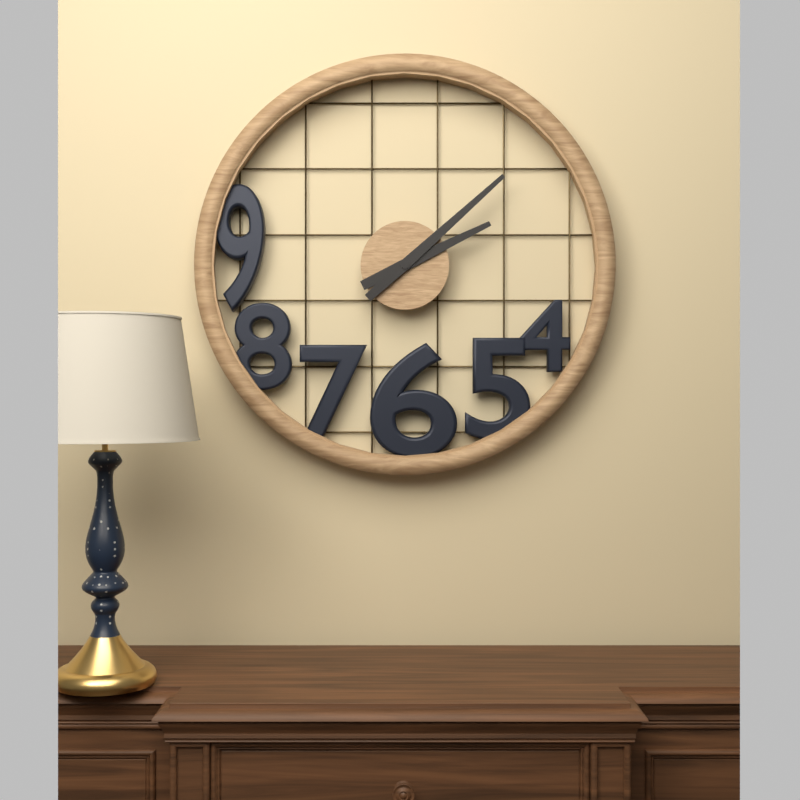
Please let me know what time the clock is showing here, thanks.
2:08
